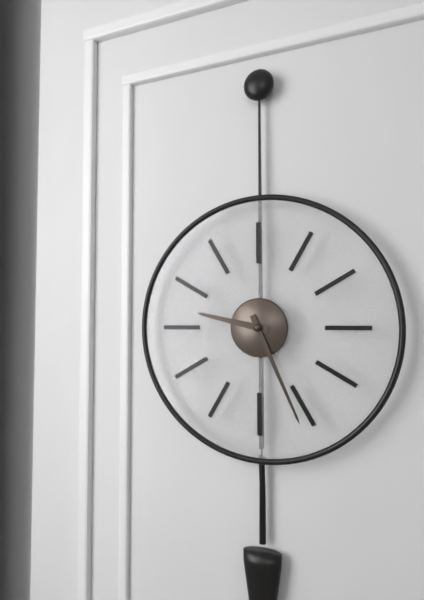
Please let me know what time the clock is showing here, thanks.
9:26
